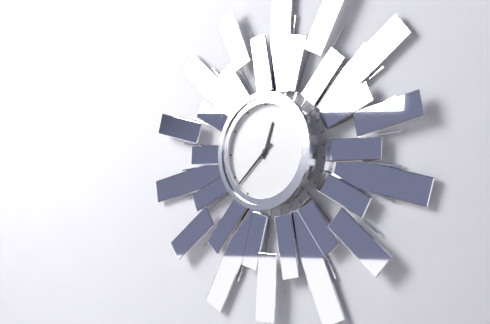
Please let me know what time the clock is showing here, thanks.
12:38
